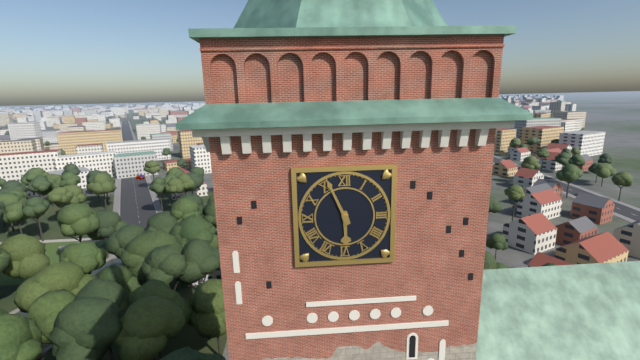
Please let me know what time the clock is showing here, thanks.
5:56
